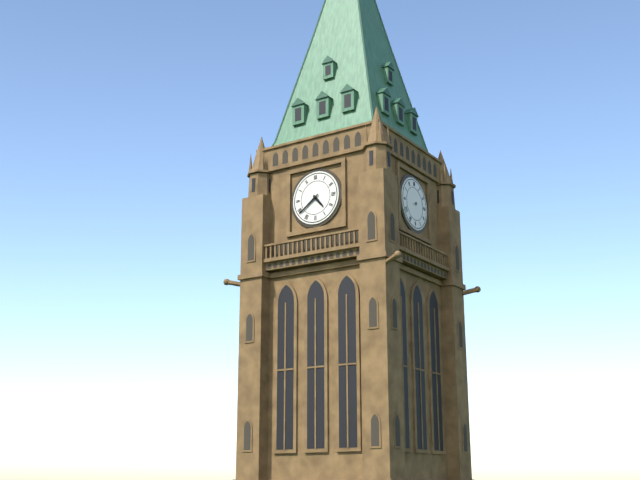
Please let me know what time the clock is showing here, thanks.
4:39
